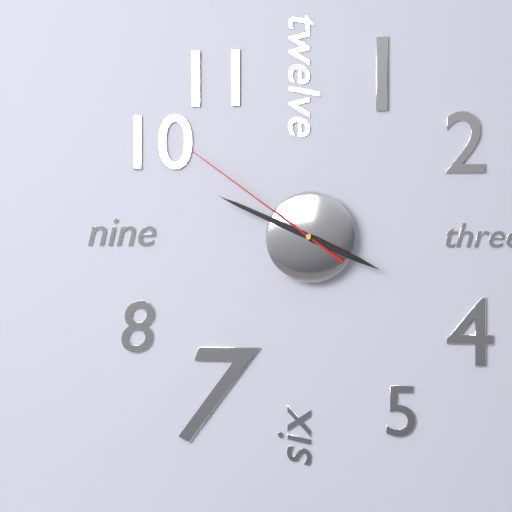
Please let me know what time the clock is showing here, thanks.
3:49:51
